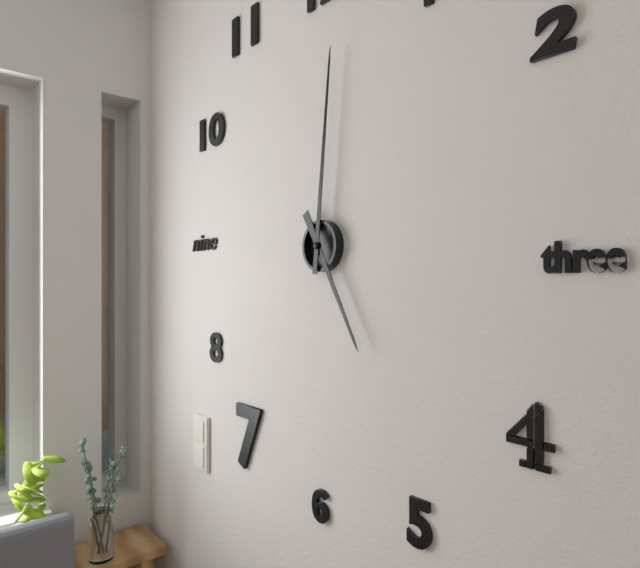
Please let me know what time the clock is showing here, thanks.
5:01
